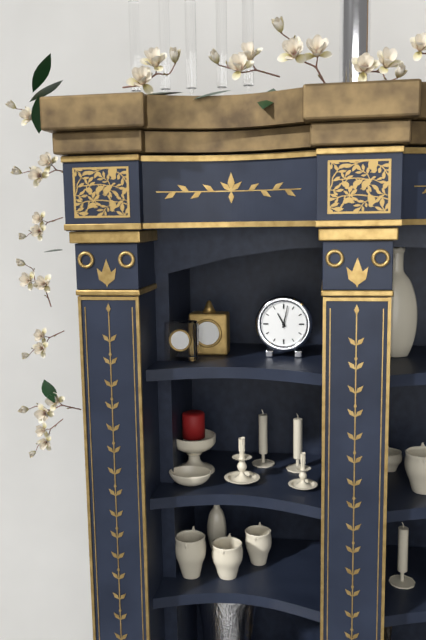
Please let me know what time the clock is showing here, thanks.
11:02
